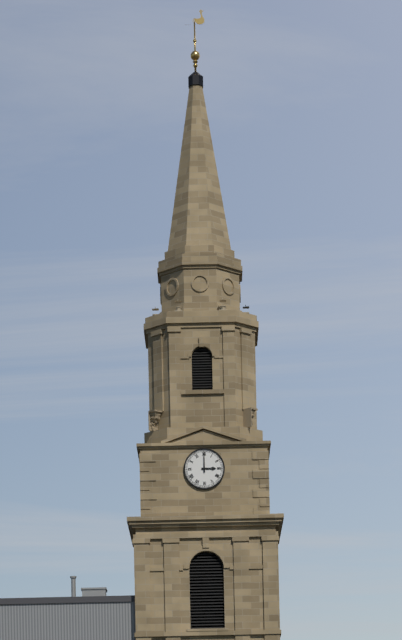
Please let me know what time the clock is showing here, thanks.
3:00
